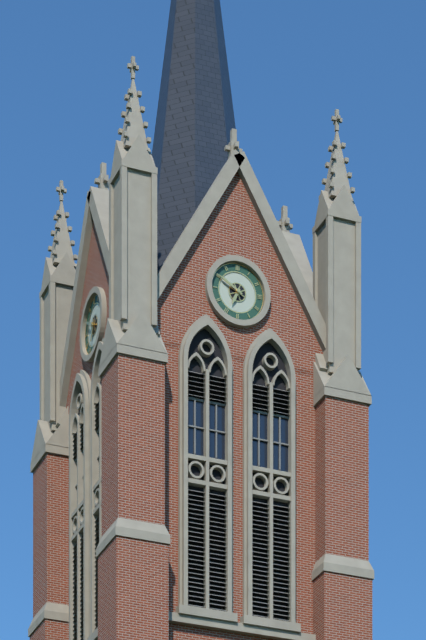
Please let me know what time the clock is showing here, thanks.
6:50
